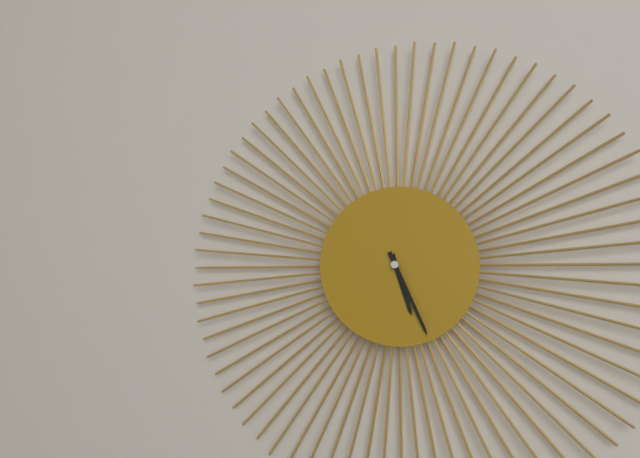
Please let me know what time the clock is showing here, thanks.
5:26
